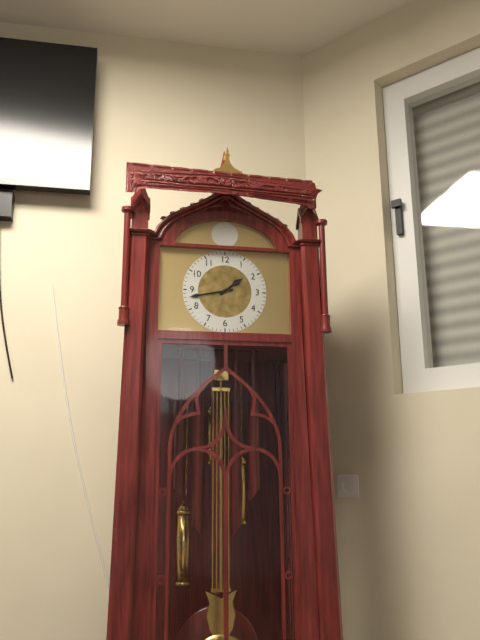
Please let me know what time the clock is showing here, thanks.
1:43
